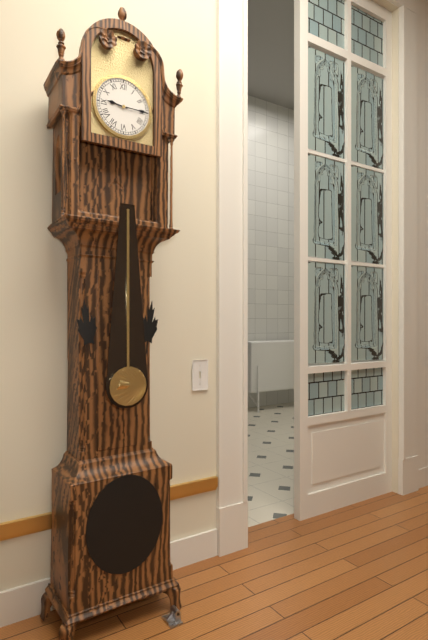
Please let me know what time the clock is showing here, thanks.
9:15
